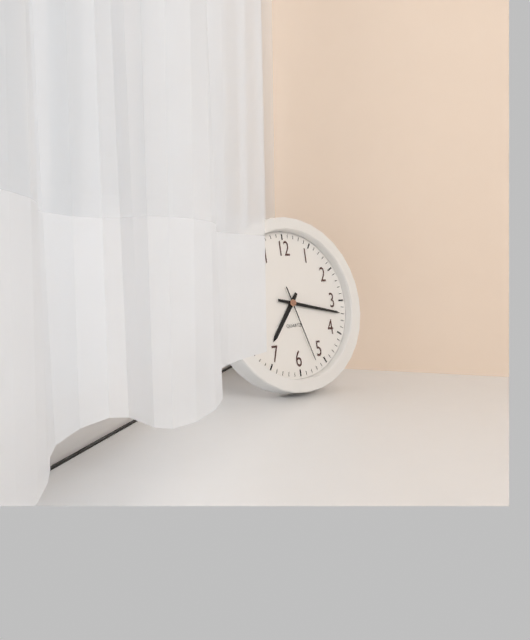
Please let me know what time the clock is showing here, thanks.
7:17:27
